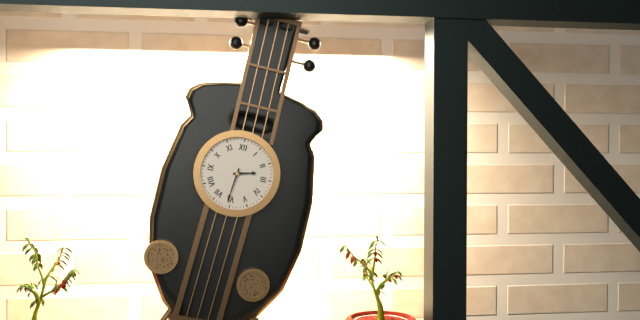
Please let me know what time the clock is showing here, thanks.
2:31
